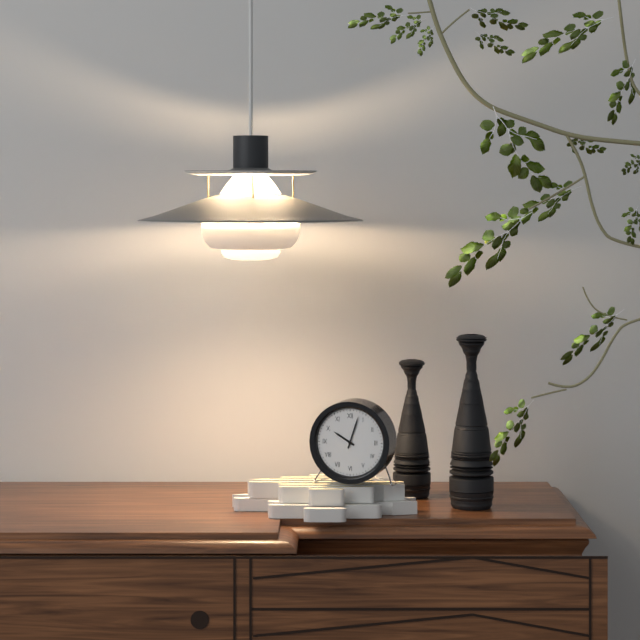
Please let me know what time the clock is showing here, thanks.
10:03
